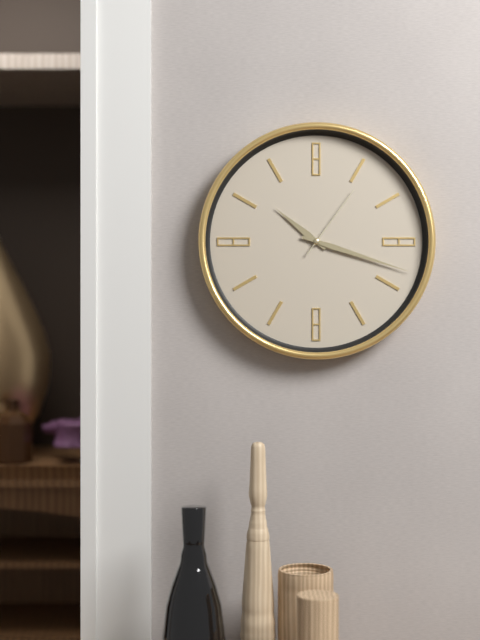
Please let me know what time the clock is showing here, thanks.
10:18:06
